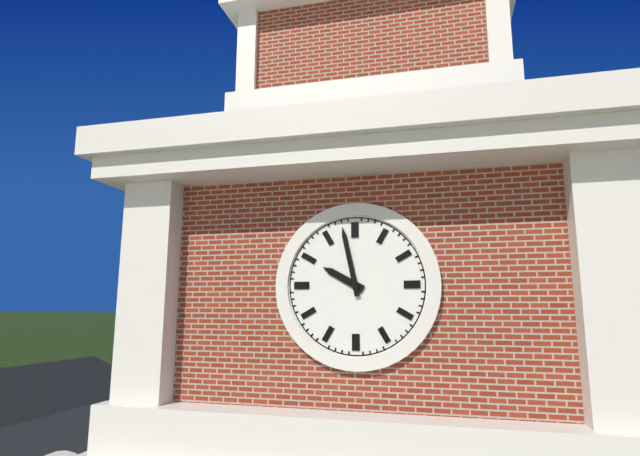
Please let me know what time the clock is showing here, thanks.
9:58
